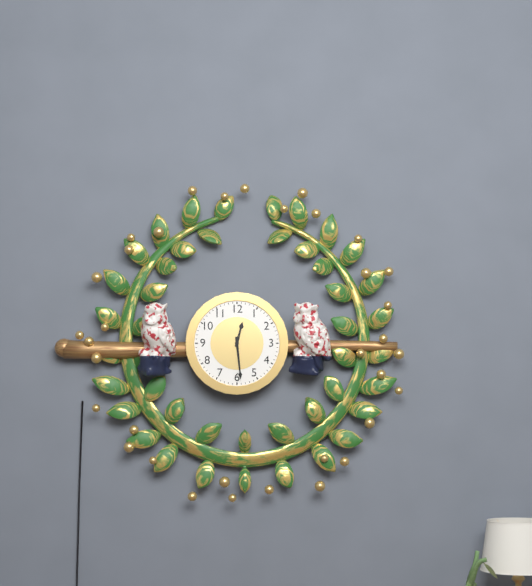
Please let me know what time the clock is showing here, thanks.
12:29
